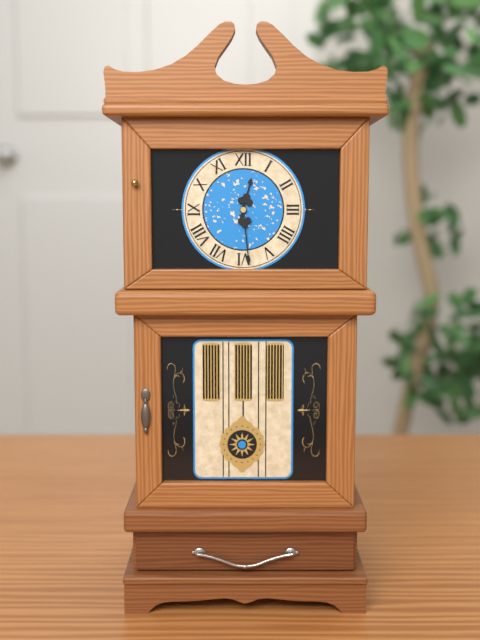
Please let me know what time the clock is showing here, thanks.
12:29
